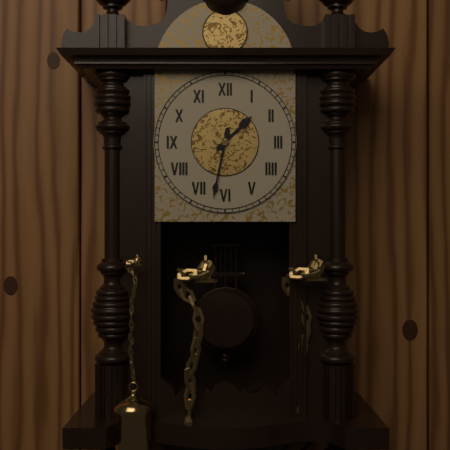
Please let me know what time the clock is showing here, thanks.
1:32
